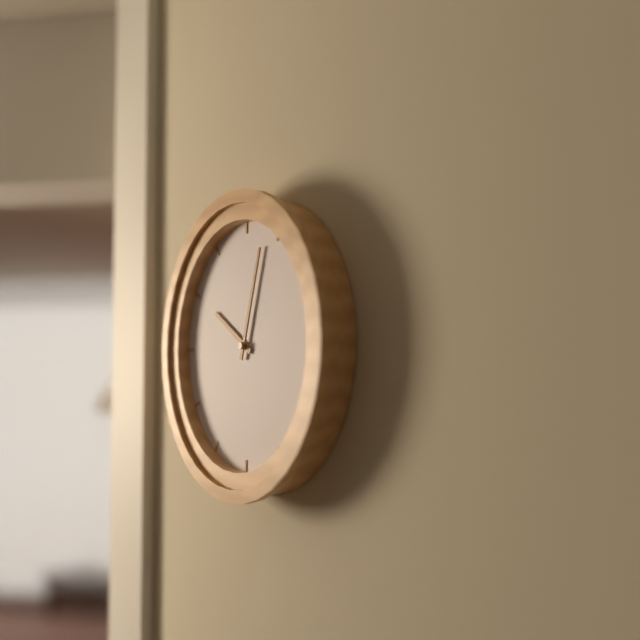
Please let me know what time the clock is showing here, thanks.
10:03
